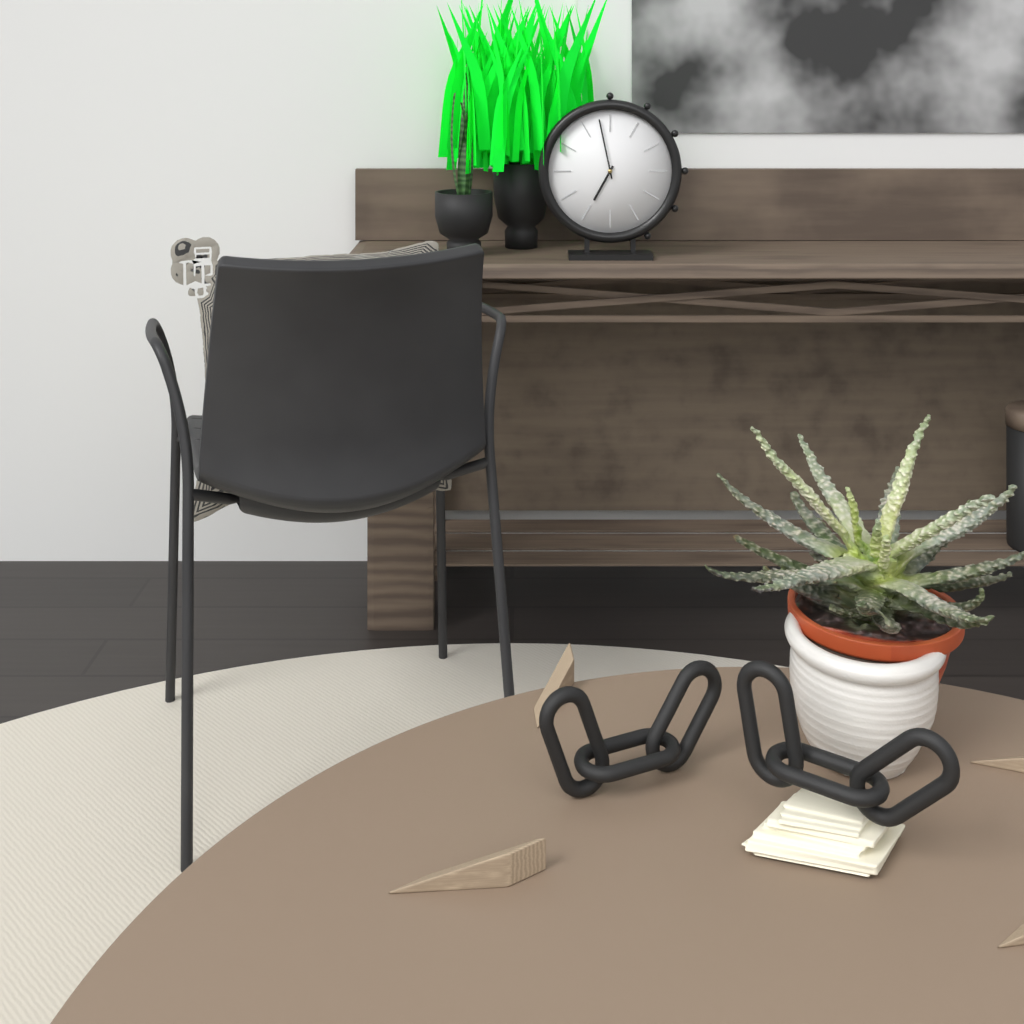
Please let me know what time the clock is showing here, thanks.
6:58
